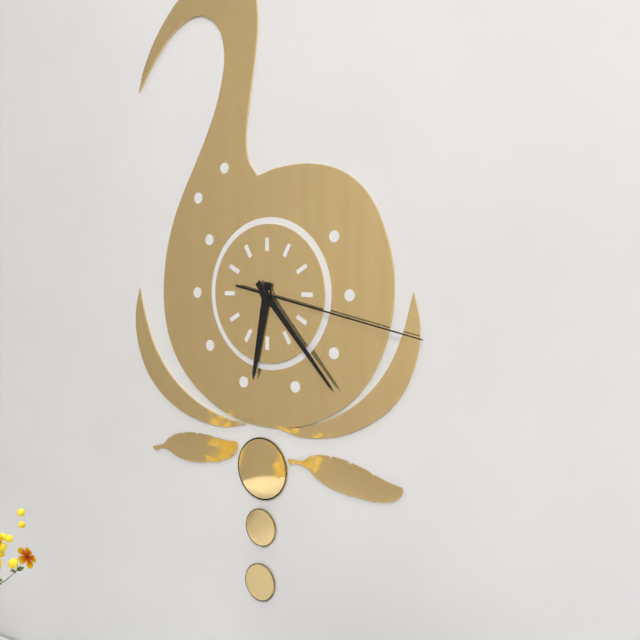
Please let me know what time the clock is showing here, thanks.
6:23:17
